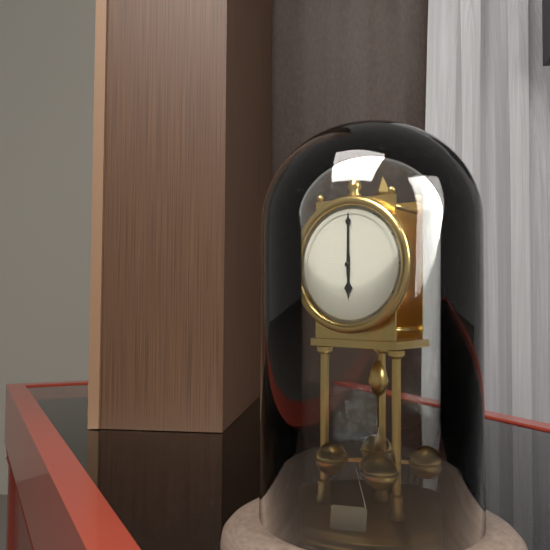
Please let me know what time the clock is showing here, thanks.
6:00
